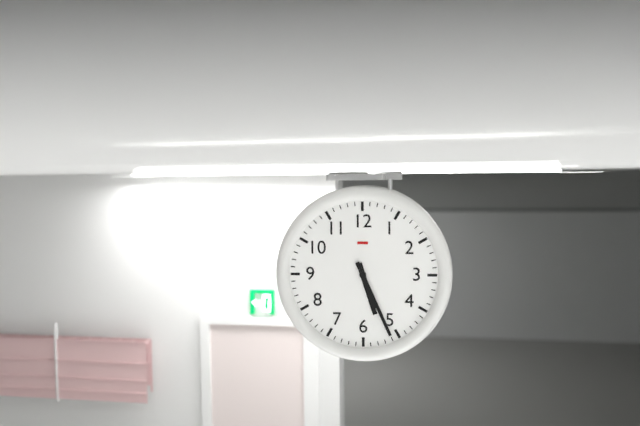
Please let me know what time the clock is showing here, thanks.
5:26
